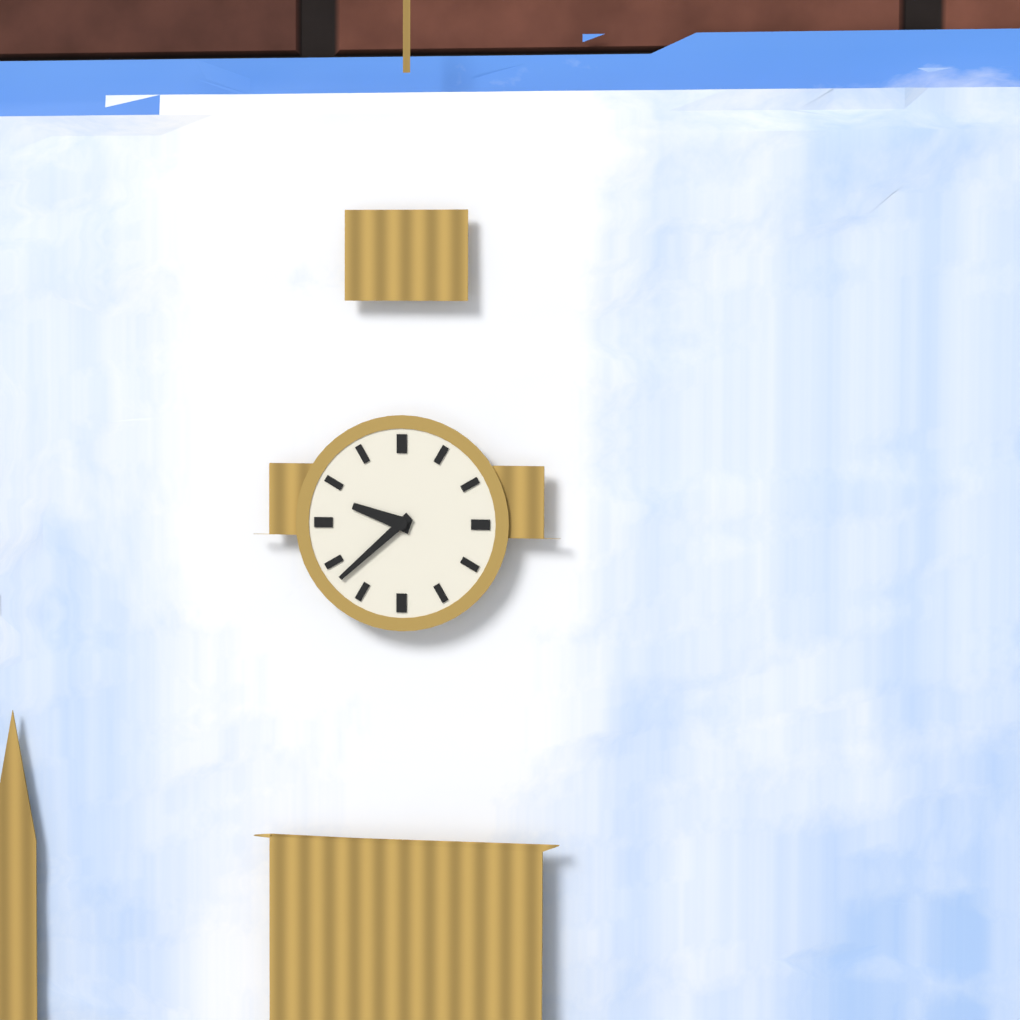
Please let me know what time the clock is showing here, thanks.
9:38
